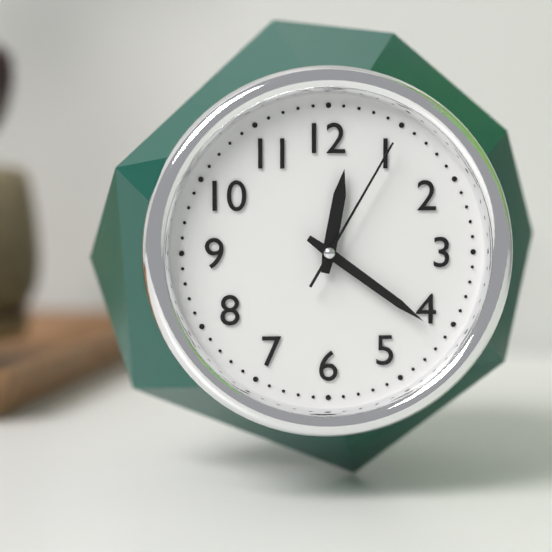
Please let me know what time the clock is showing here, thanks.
12:21:05
